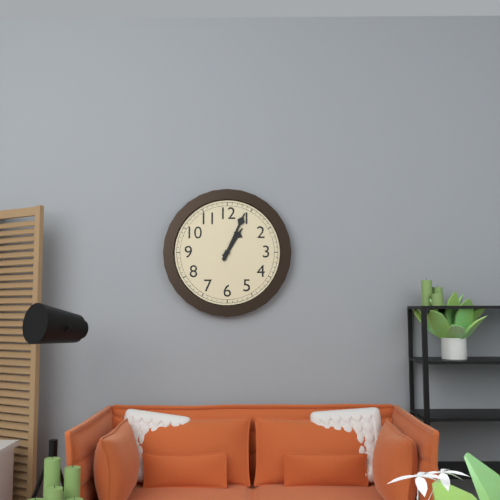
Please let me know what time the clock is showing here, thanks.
1:04
